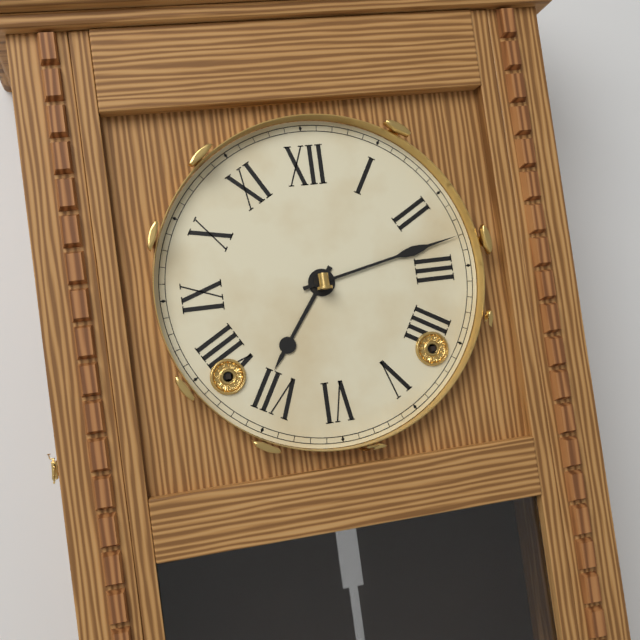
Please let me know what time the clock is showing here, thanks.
7:13
